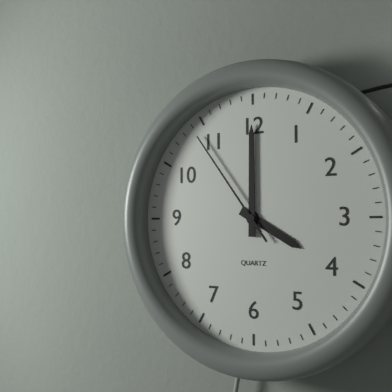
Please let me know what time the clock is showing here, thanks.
4:00:54
